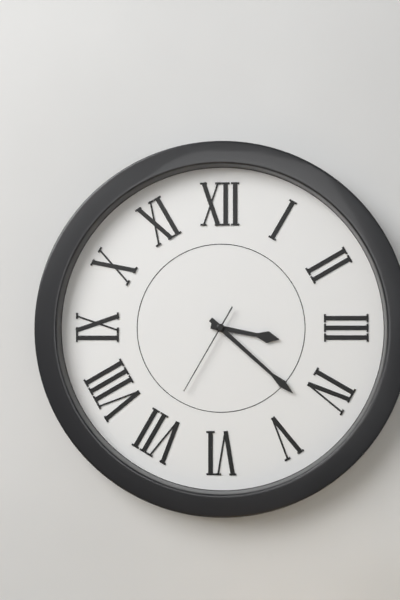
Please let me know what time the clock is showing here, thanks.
3:22:35
